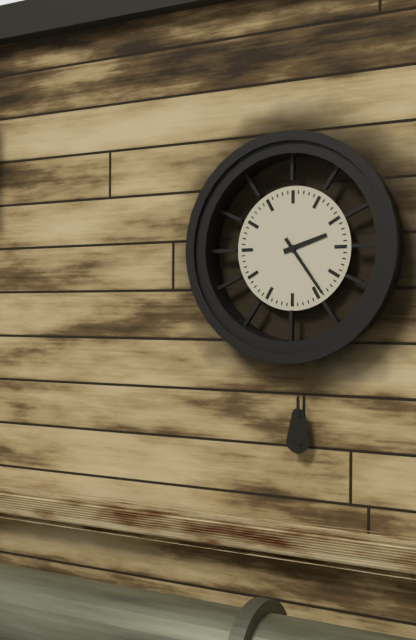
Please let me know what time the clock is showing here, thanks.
2:24
